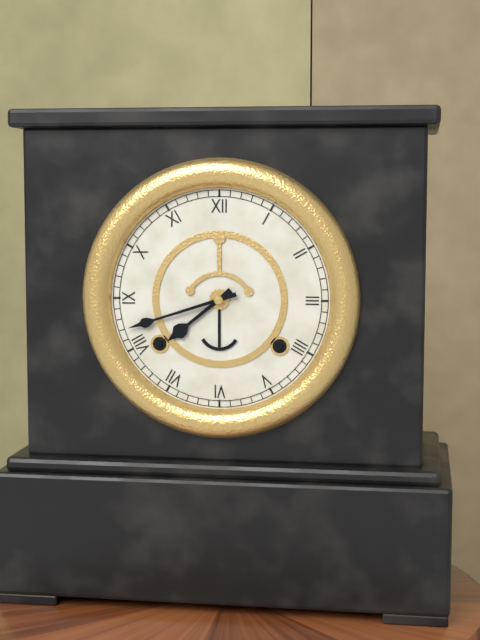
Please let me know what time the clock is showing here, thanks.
7:42
